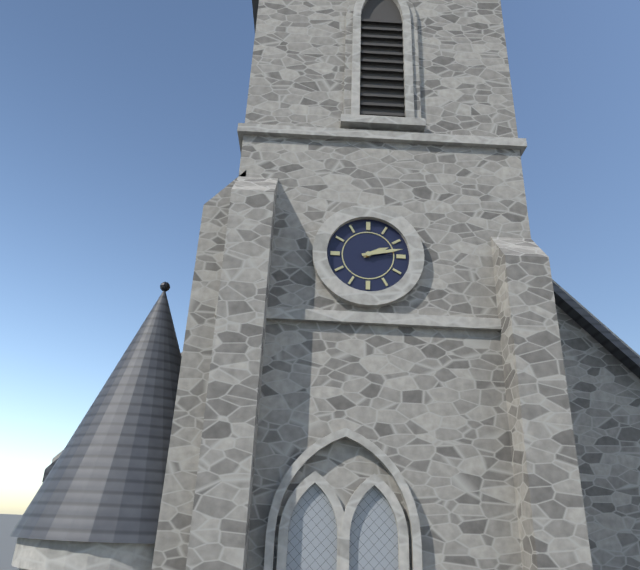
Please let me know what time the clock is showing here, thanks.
2:13
